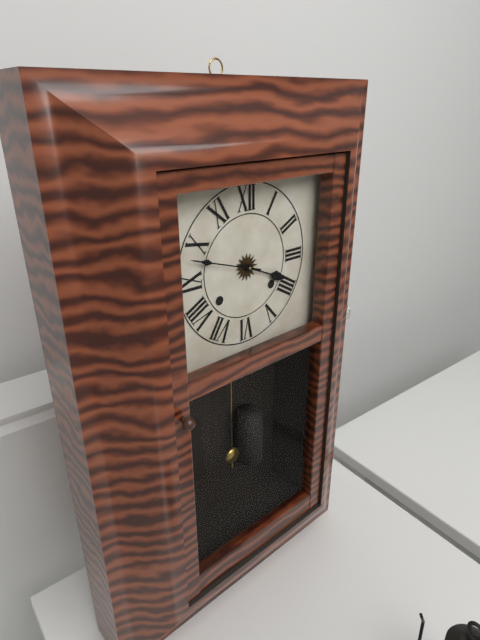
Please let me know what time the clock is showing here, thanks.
3:48
